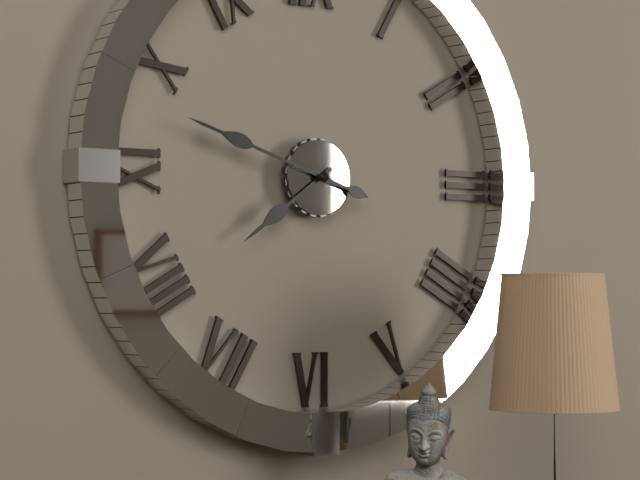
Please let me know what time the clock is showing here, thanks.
7:48
